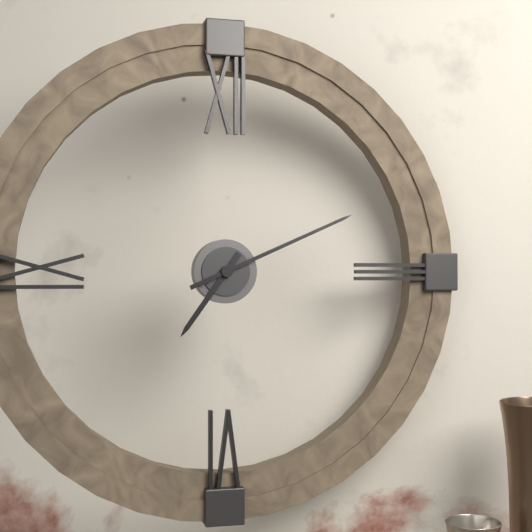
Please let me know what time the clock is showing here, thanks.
7:11
